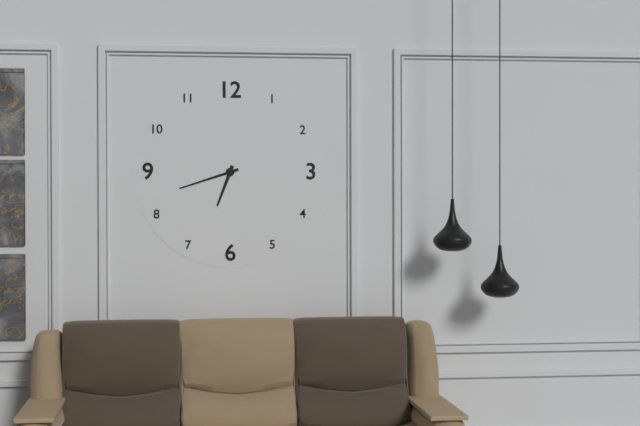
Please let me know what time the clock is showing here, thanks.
6:42
